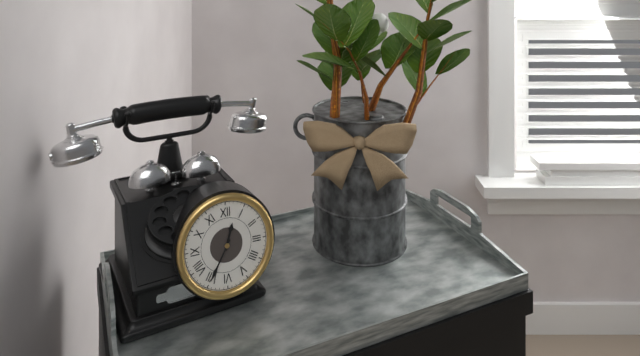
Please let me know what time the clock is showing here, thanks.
12:35
